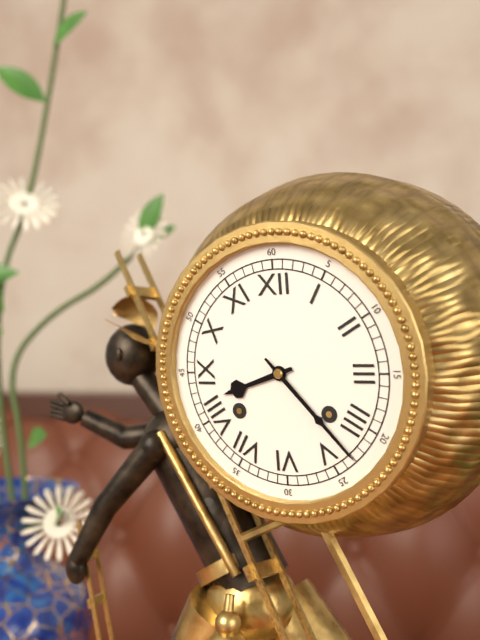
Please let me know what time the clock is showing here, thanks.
8:23
